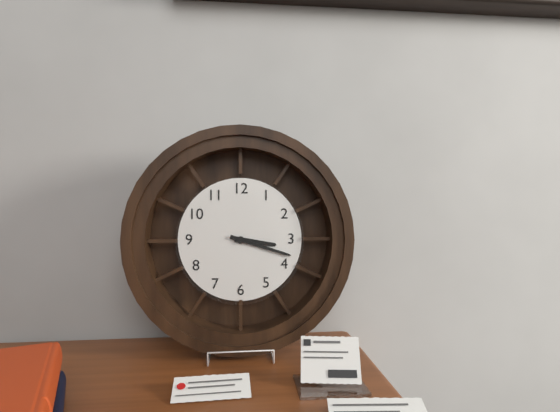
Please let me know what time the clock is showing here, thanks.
3:18
